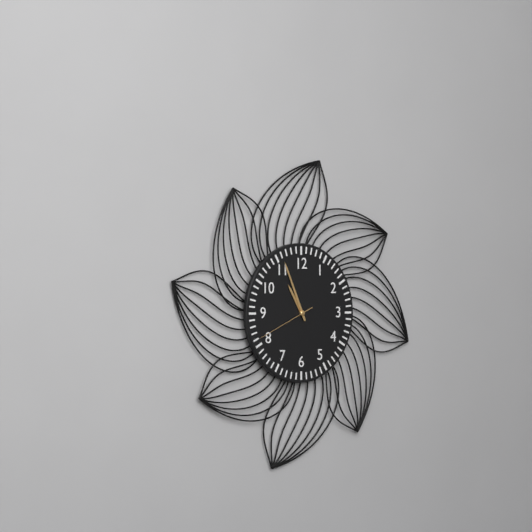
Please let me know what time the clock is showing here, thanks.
10:56:41
